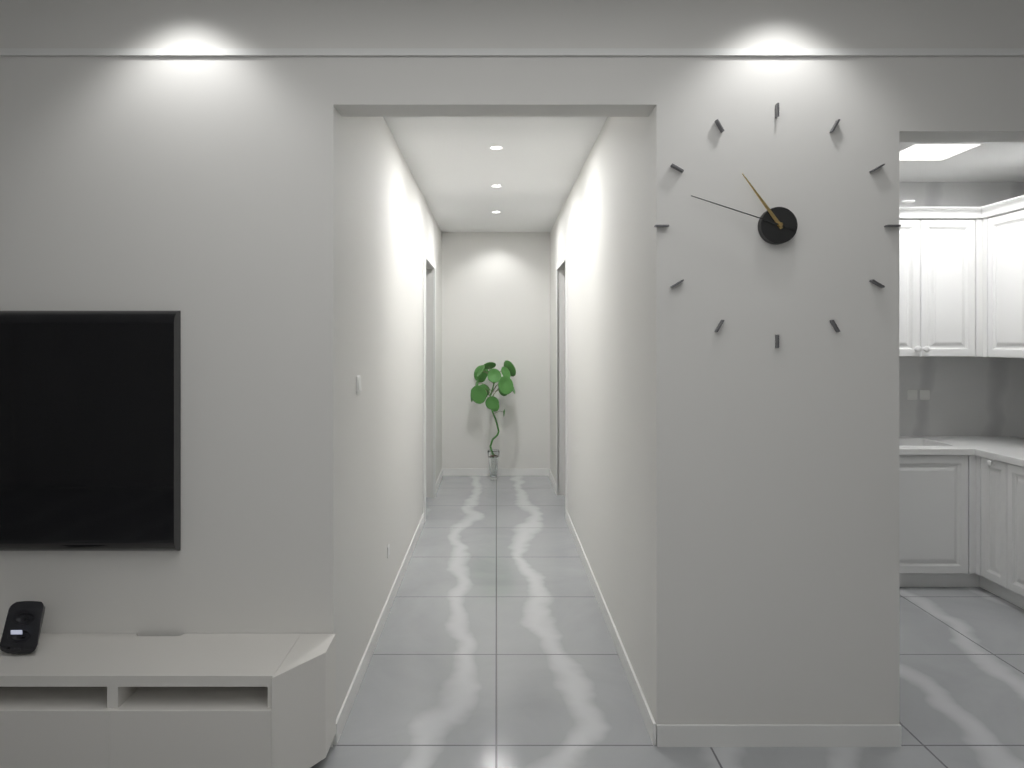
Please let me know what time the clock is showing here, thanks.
10:48
